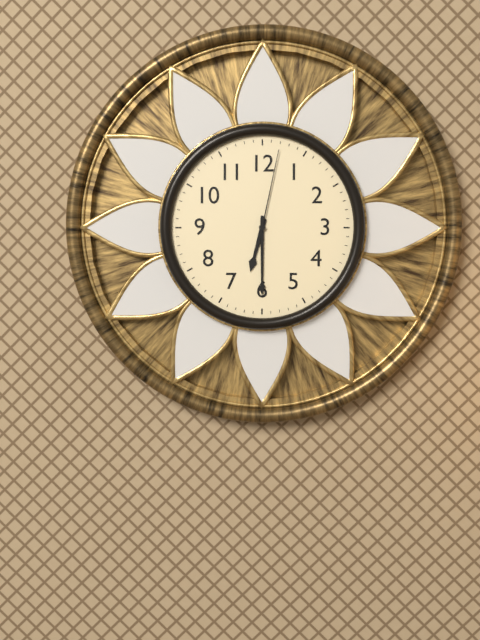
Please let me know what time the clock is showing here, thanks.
6:30:02
